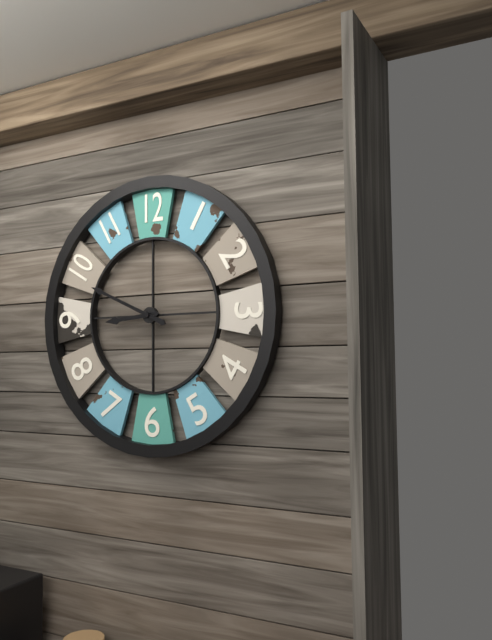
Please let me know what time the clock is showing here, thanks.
8:49
